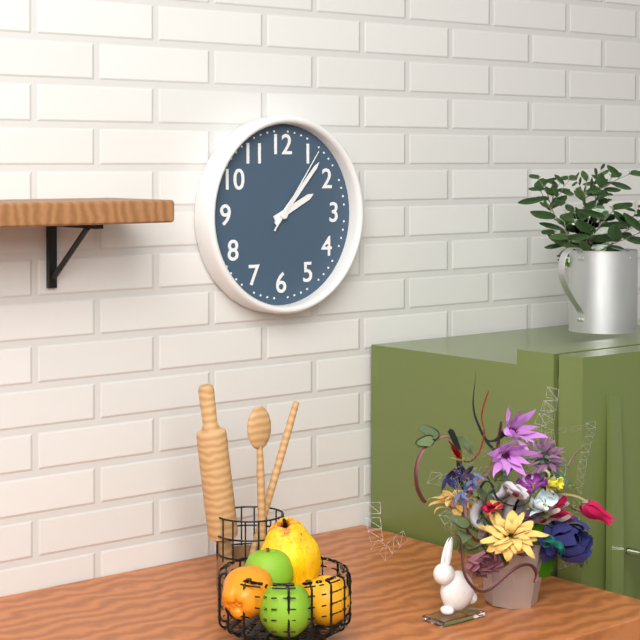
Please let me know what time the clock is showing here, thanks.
2:07:06
